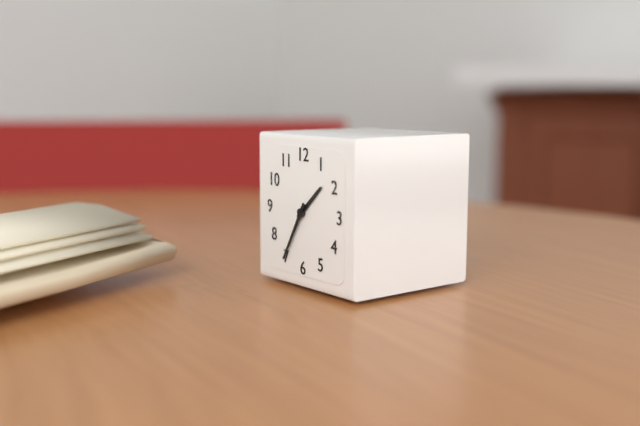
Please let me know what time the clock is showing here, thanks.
1:35
